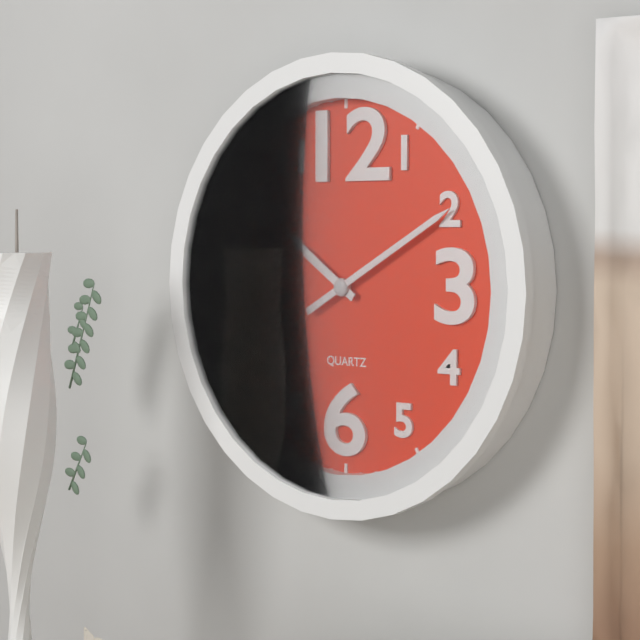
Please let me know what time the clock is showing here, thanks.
10:10
